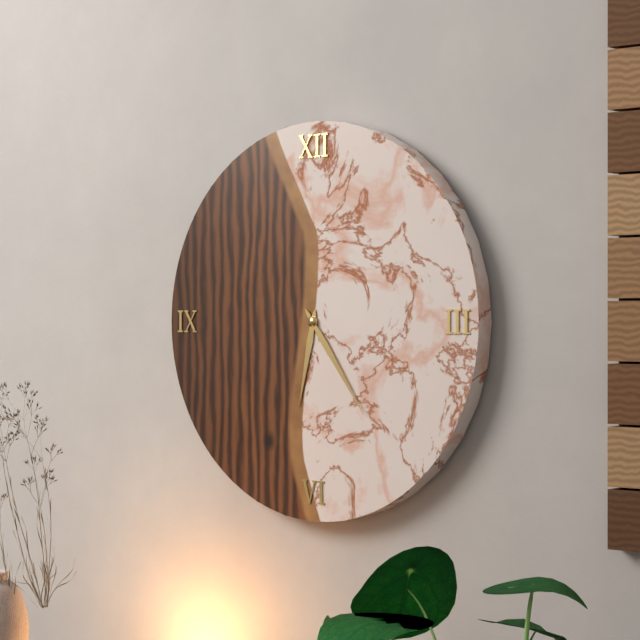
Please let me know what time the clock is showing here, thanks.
6:24
